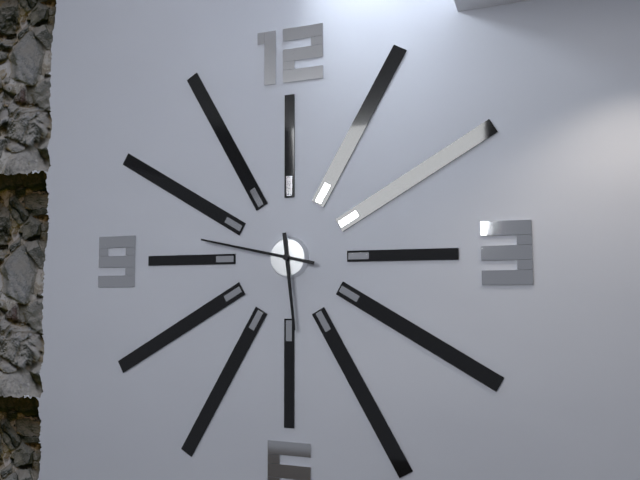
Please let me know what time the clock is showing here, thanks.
5:47
